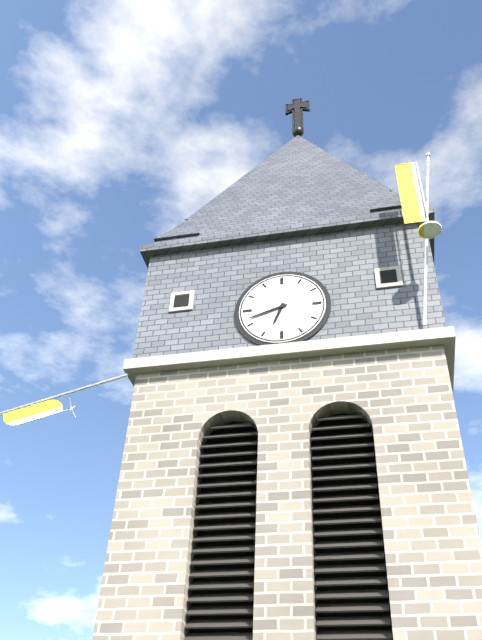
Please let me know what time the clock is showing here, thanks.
6:42
